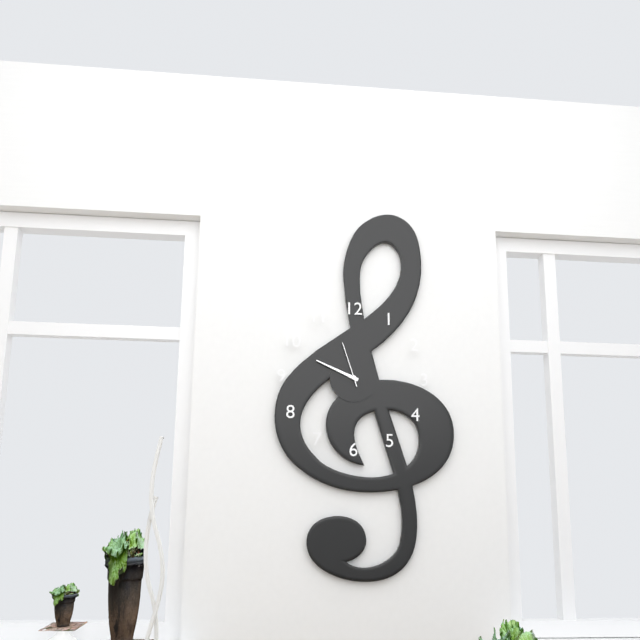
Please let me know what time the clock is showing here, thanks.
9:49
